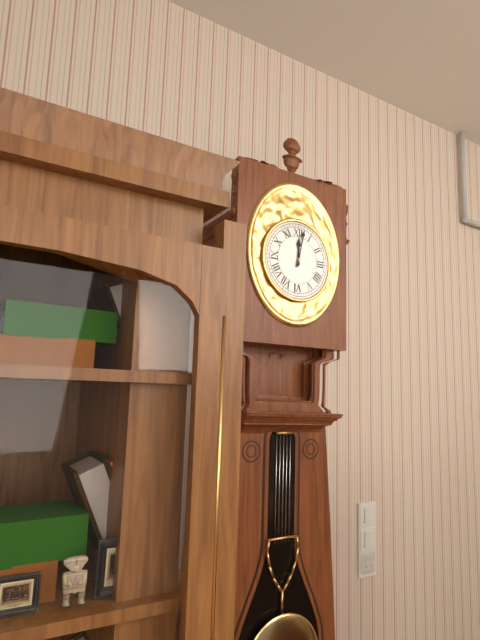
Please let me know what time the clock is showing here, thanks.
12:02
